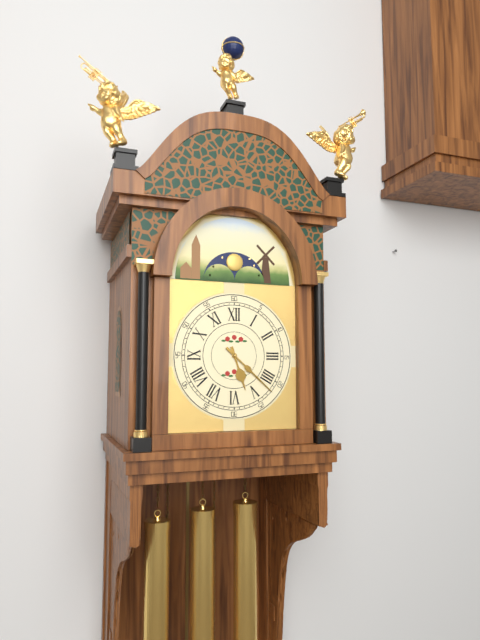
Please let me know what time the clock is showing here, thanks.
5:22
